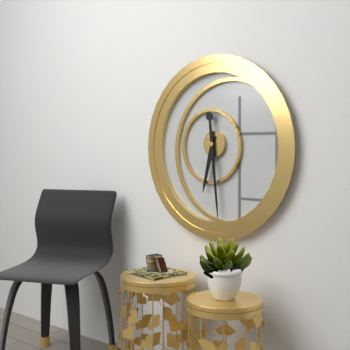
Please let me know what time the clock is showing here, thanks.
6:29
